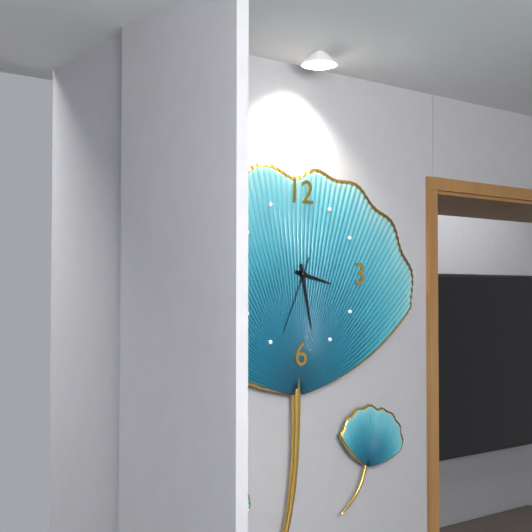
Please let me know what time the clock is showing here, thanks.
3:28:34
